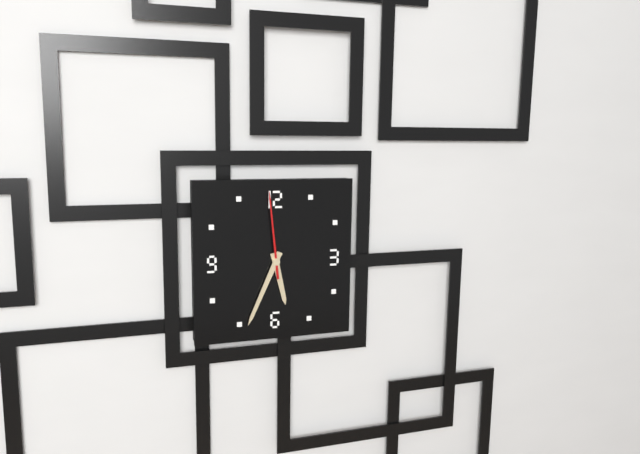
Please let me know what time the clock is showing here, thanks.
5:34:59
